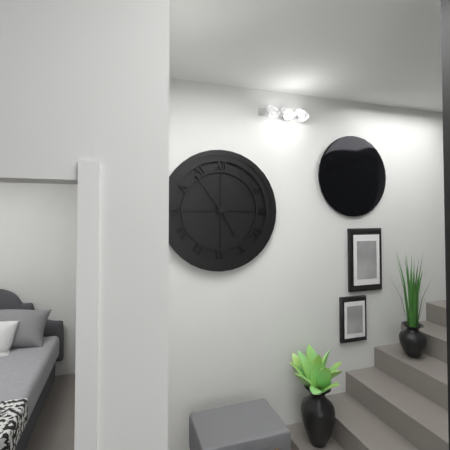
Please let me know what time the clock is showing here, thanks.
4:54
